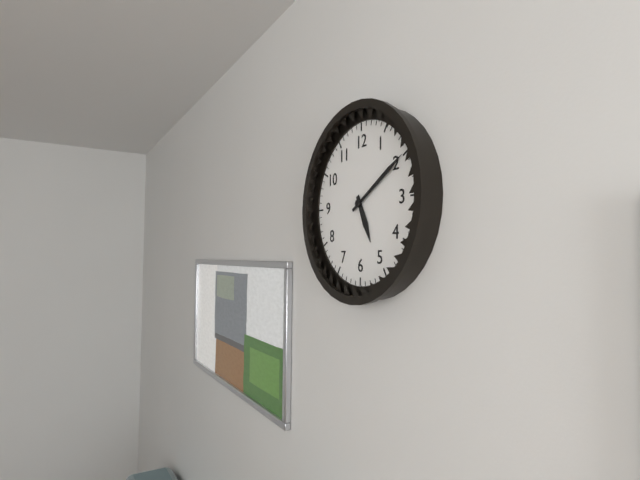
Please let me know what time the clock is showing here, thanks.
5:10
